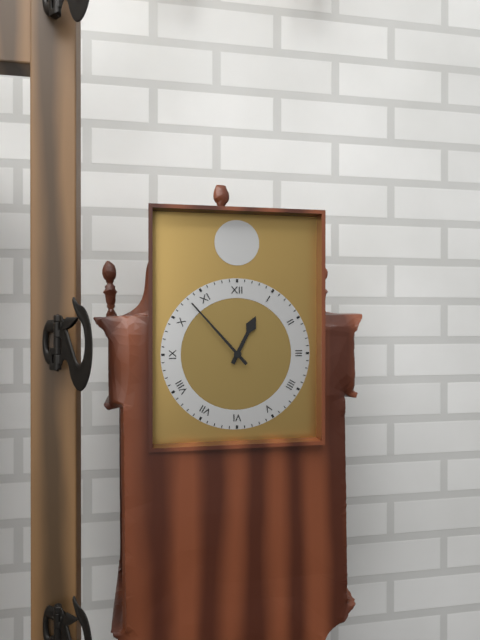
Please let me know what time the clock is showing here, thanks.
12:53
